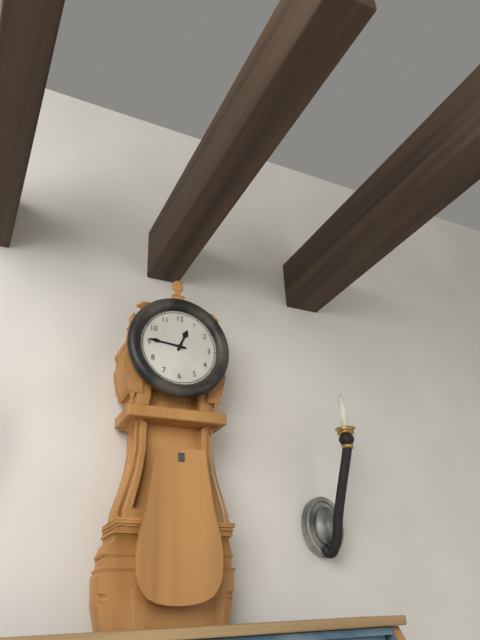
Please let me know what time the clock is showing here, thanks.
12:46
